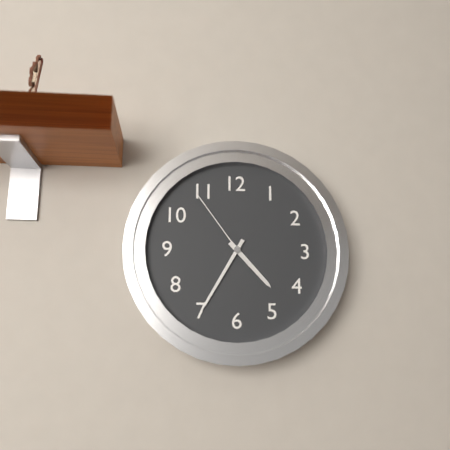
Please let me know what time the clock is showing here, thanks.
4:35:54
